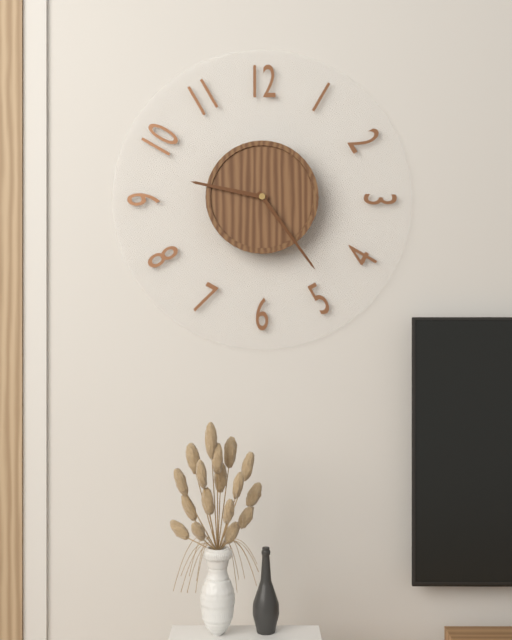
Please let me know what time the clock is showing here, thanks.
9:24
